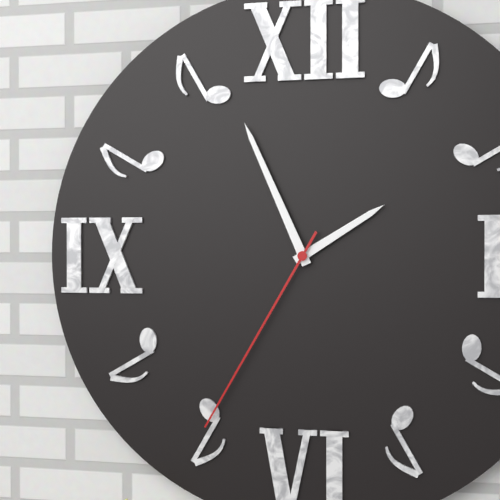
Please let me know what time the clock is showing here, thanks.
1:56:35
